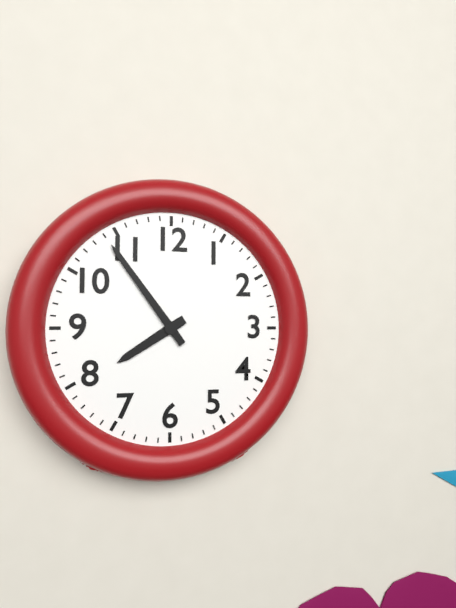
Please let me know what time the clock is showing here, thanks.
7:54
